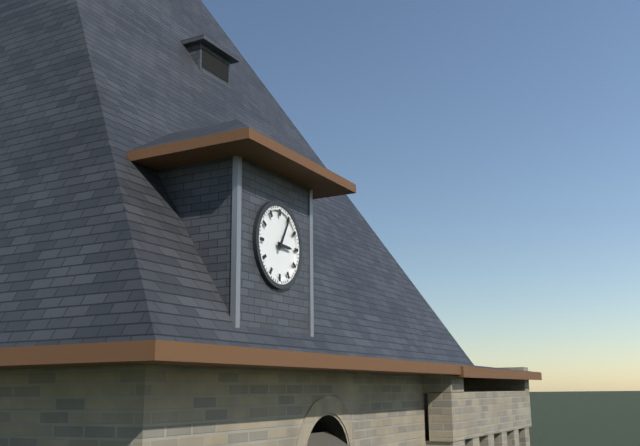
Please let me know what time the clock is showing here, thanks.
3:05
